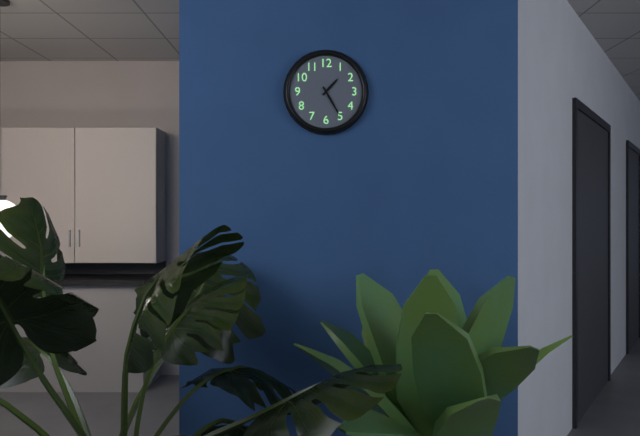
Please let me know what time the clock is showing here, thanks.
1:25
